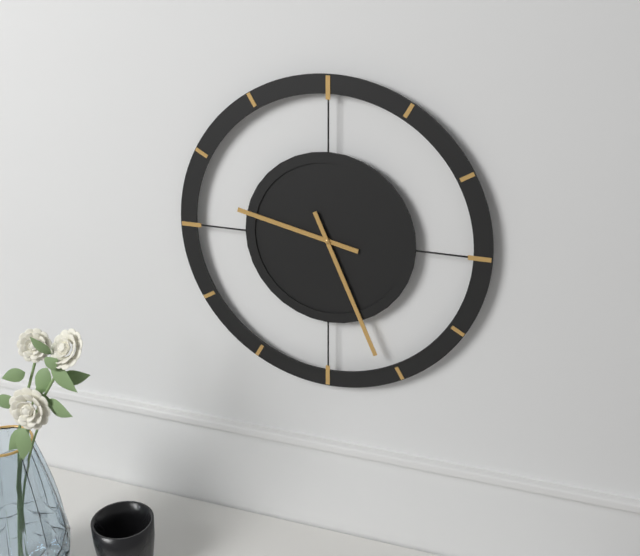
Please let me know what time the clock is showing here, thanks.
9:26
